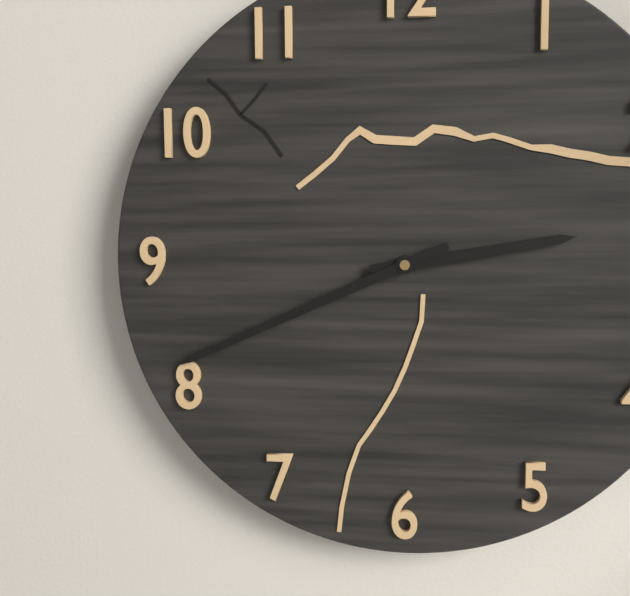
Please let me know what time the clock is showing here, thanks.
2:41
